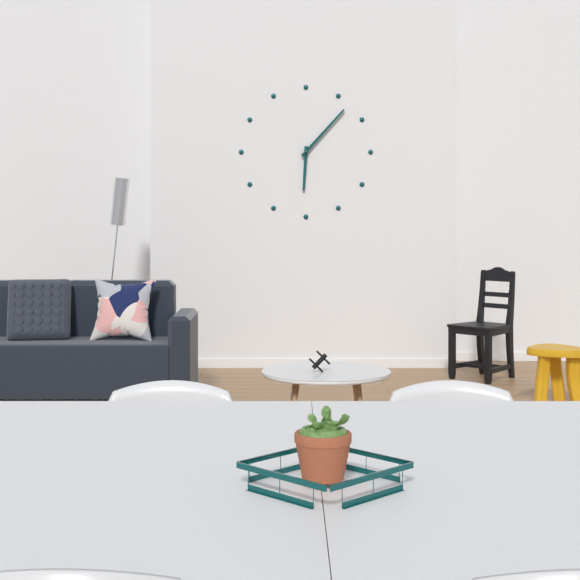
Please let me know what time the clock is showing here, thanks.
6:07
